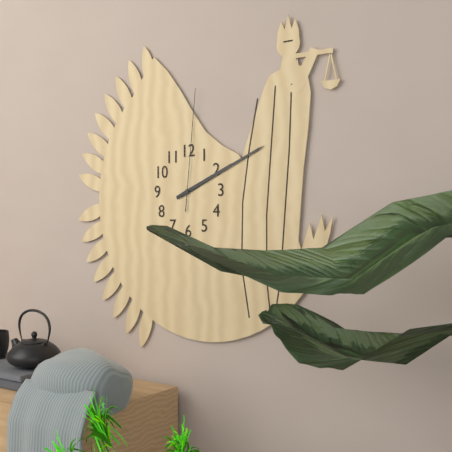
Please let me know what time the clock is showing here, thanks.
2:11:01
